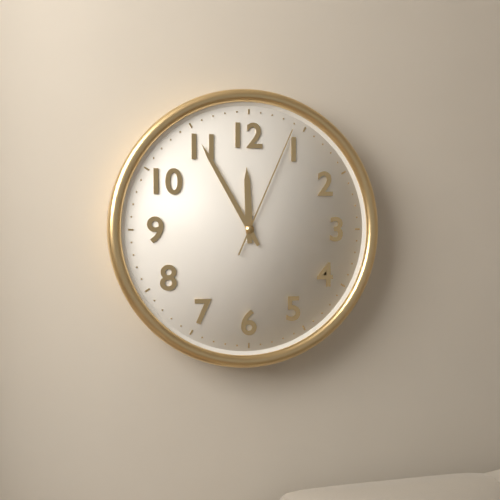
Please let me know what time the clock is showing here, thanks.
11:55:04
